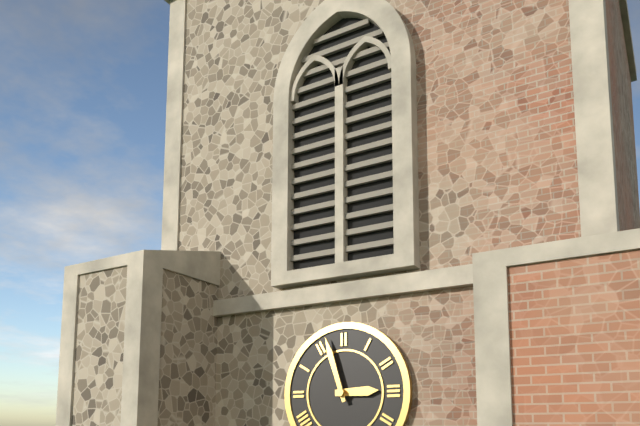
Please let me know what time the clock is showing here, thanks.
2:57
